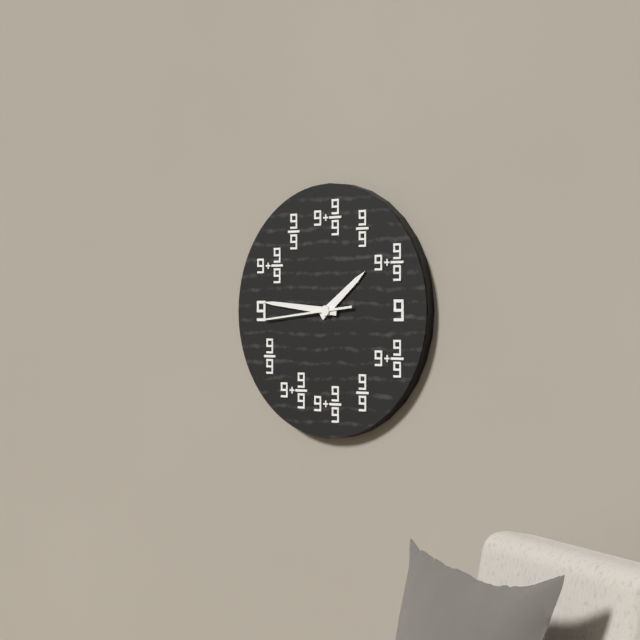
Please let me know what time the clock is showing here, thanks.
1:46:44
